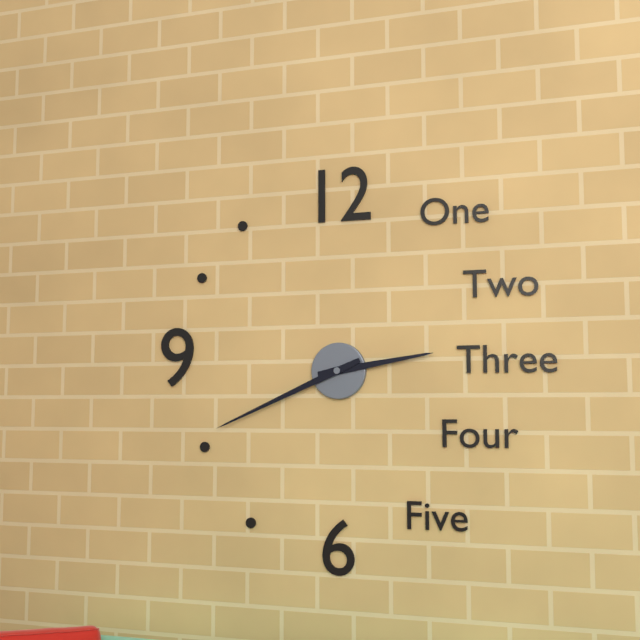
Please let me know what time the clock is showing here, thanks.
2:41
